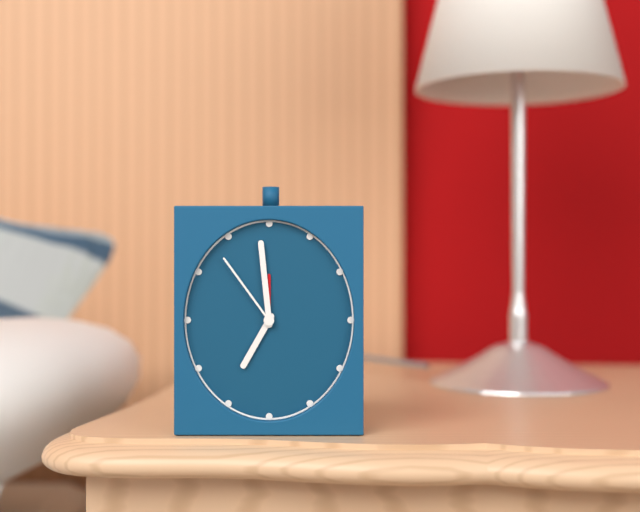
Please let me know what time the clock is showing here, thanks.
6:59:54
